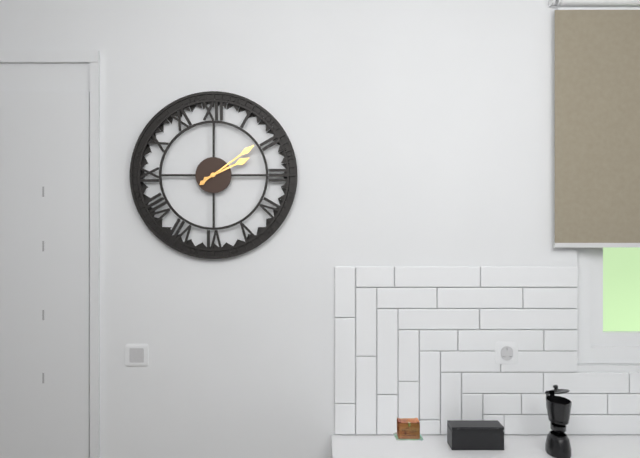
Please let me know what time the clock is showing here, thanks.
2:09
